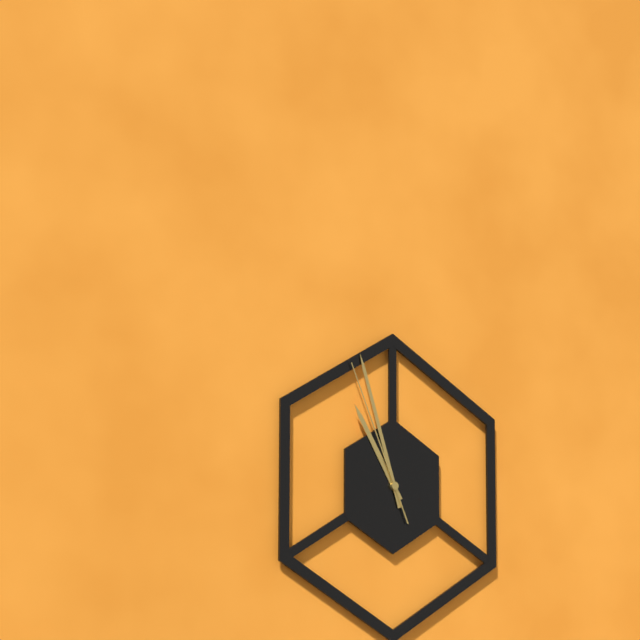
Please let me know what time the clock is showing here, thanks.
10:57:56
